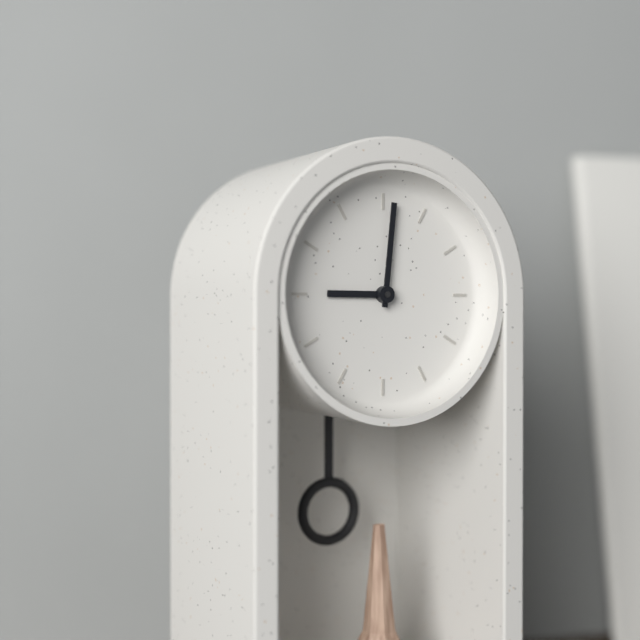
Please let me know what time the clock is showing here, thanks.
9:01
